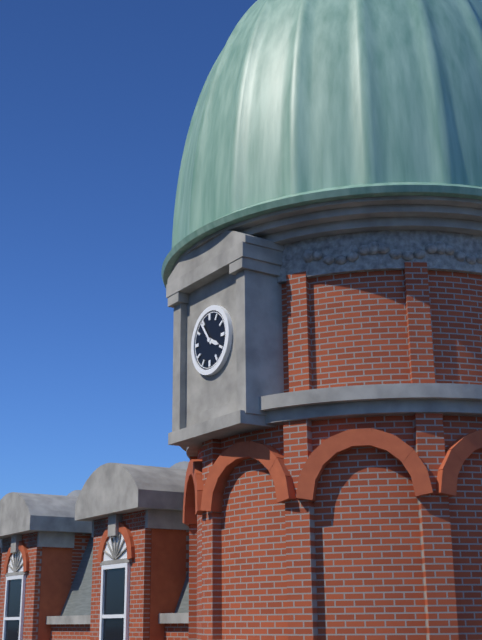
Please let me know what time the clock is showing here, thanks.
3:54
